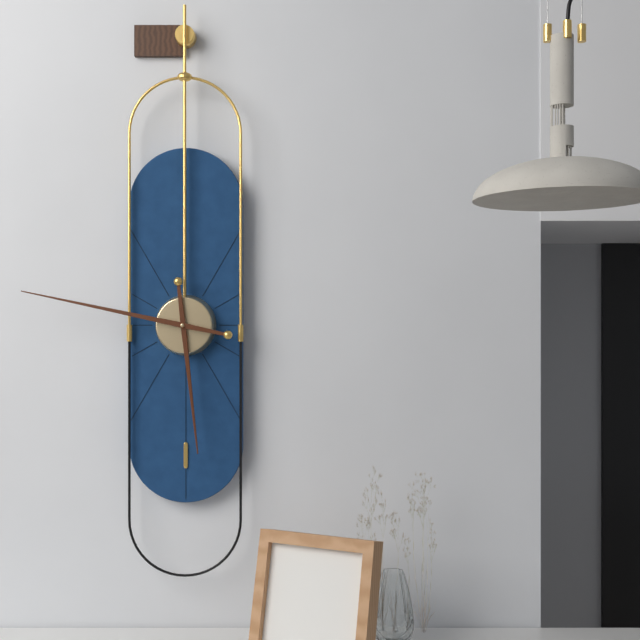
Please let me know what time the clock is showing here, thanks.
5:47
